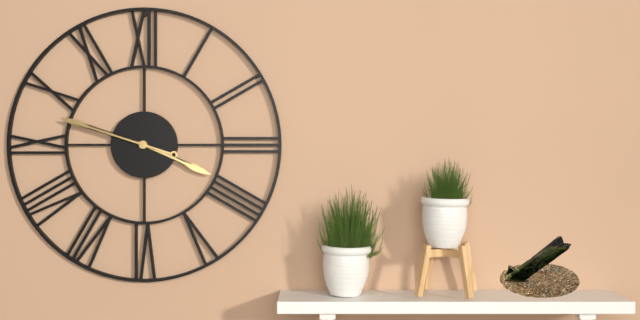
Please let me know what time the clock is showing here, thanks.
3:48
